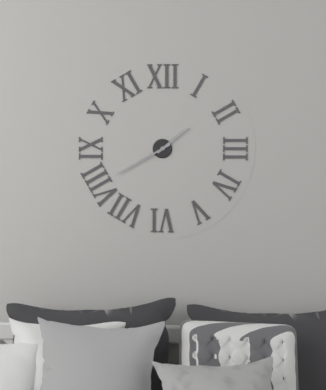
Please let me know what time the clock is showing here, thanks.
1:40
